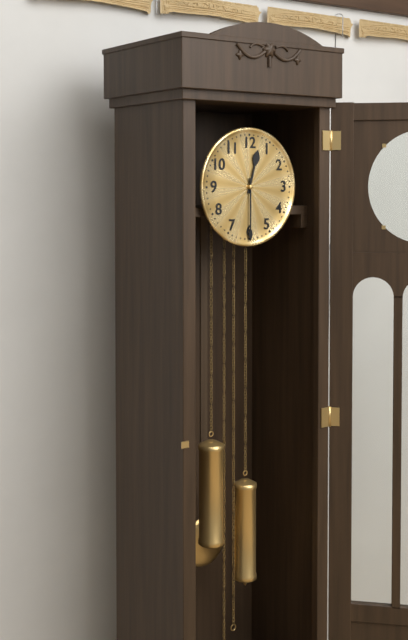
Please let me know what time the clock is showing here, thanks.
12:30
